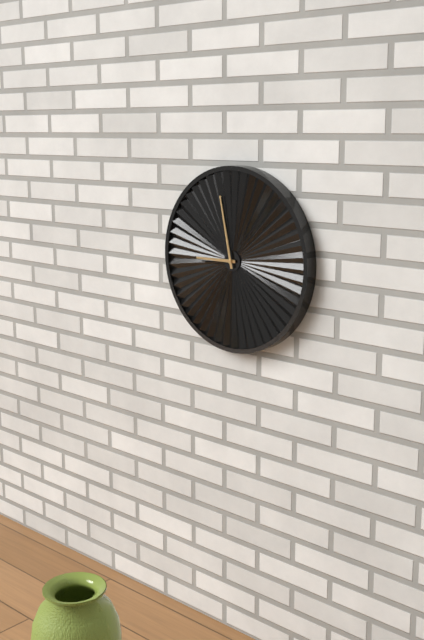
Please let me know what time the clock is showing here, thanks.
8:58
